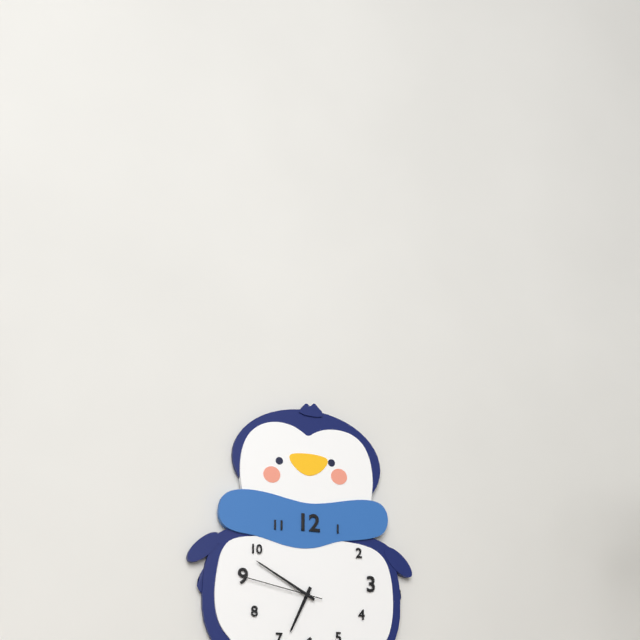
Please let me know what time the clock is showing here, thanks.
6:50:47
